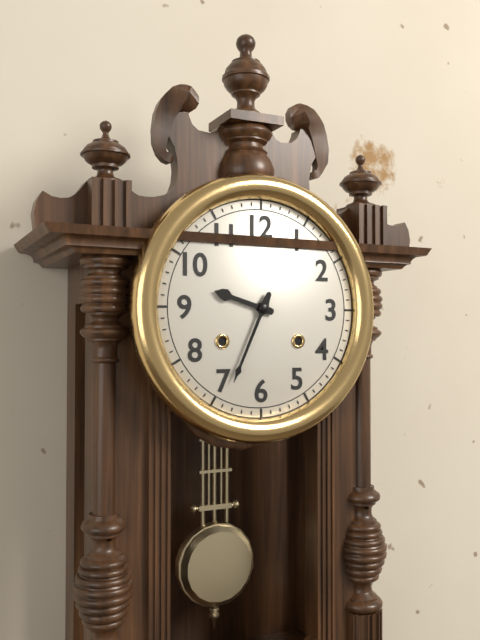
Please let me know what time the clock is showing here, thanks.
9:34
